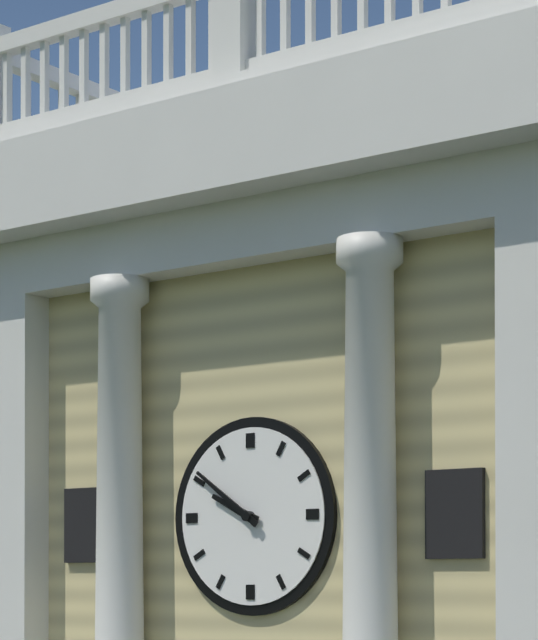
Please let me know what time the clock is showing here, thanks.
9:51
